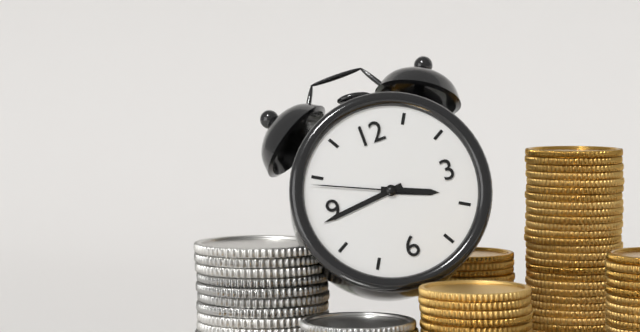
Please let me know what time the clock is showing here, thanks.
3:44:49
